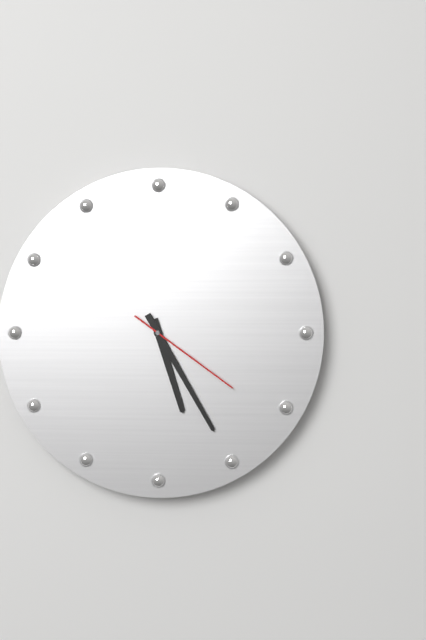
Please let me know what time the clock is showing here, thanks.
5:25:21
